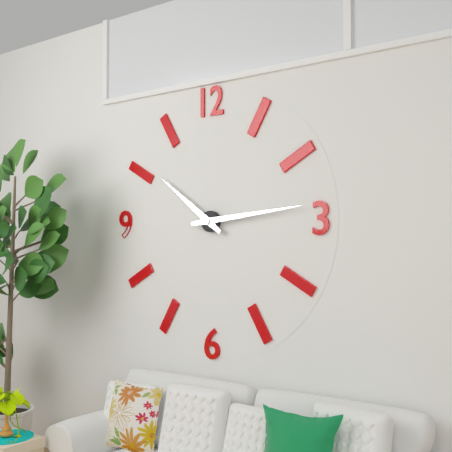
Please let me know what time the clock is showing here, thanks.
10:14
